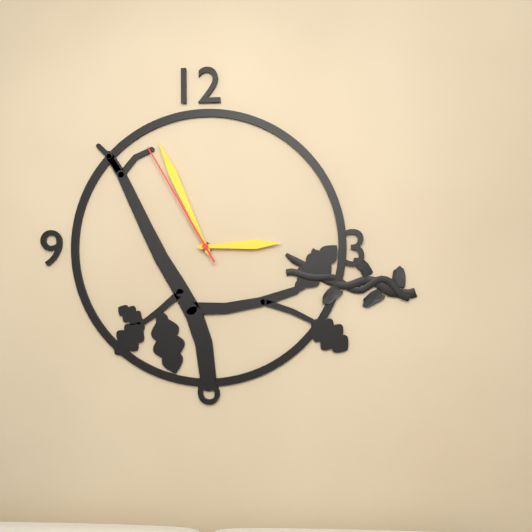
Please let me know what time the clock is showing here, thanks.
2:56:55
